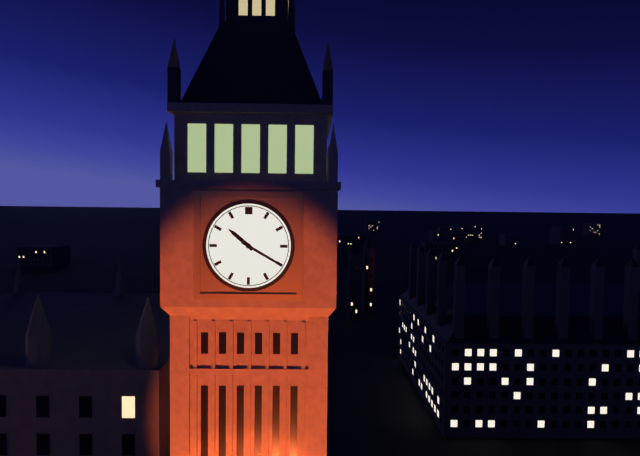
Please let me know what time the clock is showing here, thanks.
10:20
